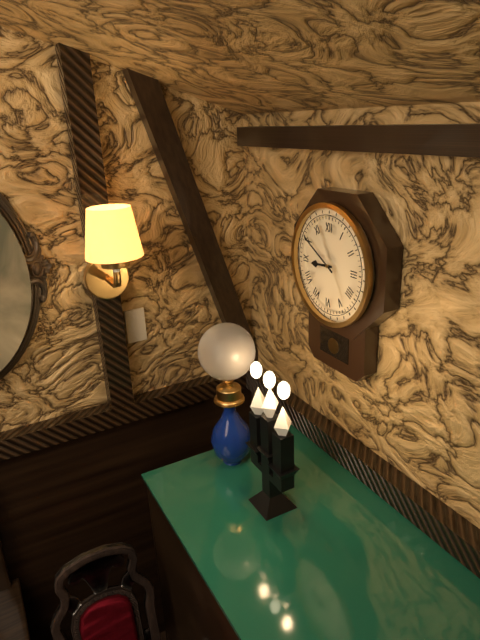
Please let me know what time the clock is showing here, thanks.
8:50
